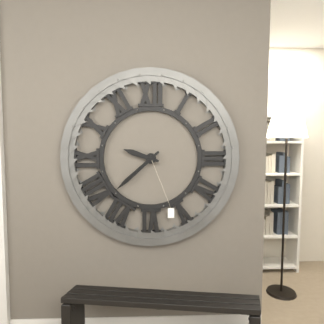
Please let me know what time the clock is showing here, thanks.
9:38
